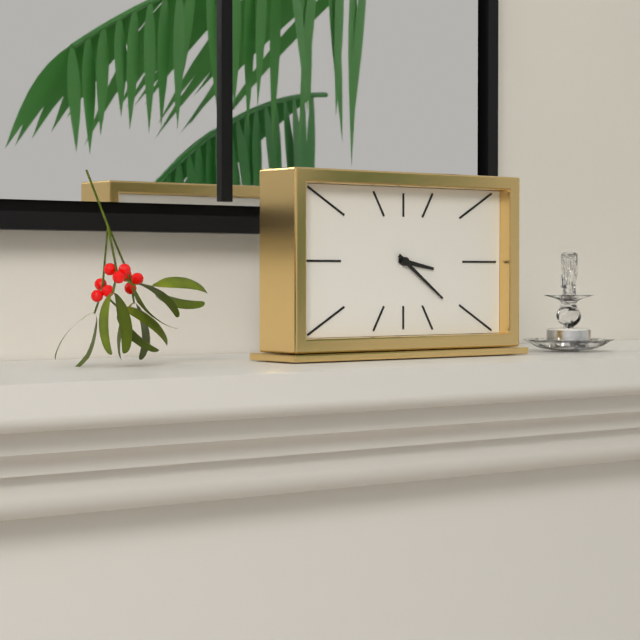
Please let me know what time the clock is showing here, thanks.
3:21
